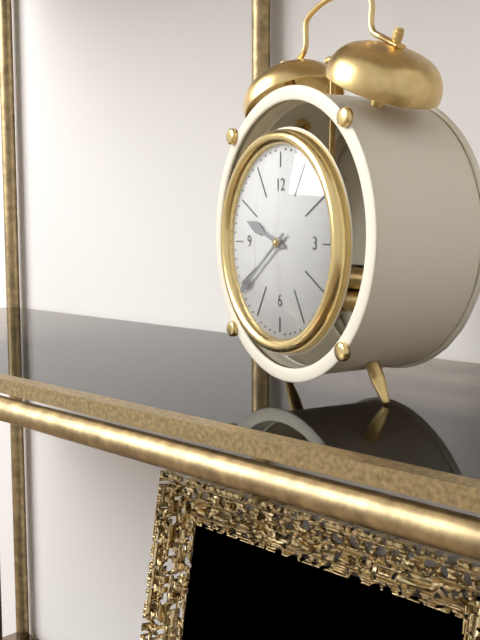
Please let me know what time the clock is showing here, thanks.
9:39
